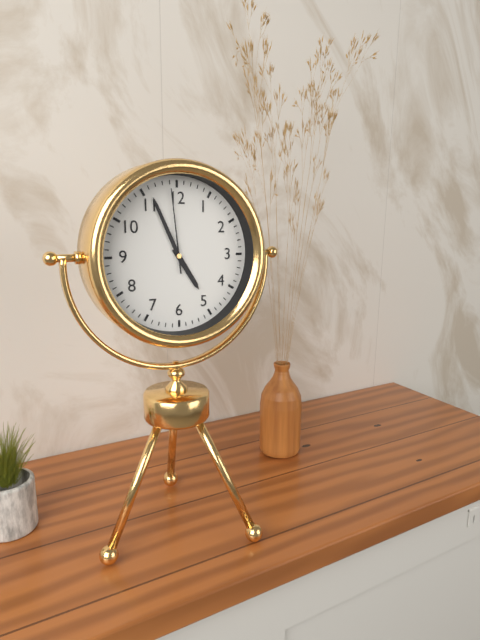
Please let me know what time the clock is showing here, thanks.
4:56:59
